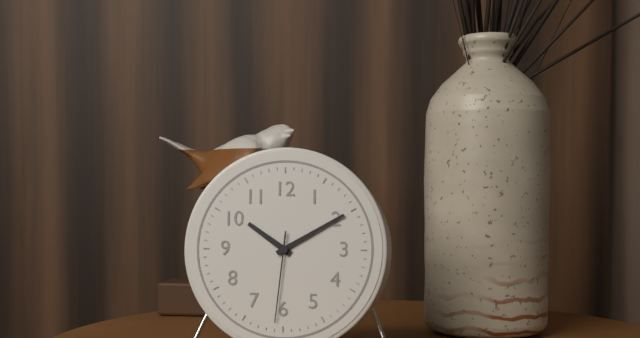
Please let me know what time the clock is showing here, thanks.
10:10:31
